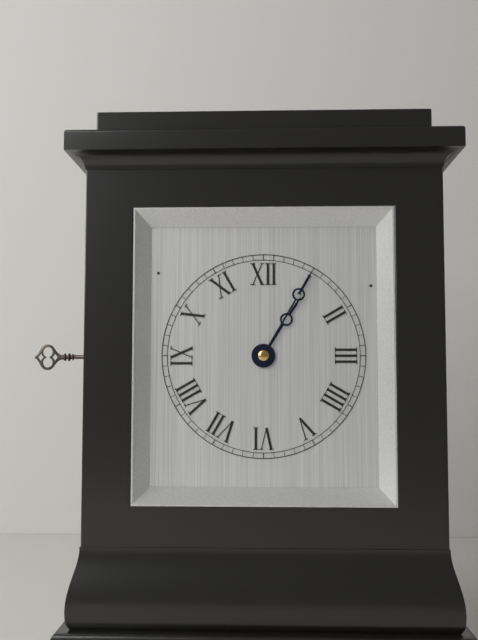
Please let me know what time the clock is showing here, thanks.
1:05
